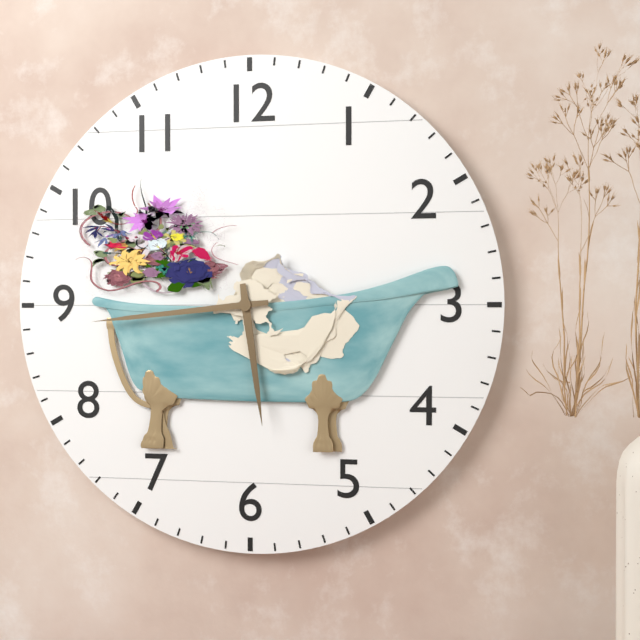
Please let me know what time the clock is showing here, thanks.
5:44
